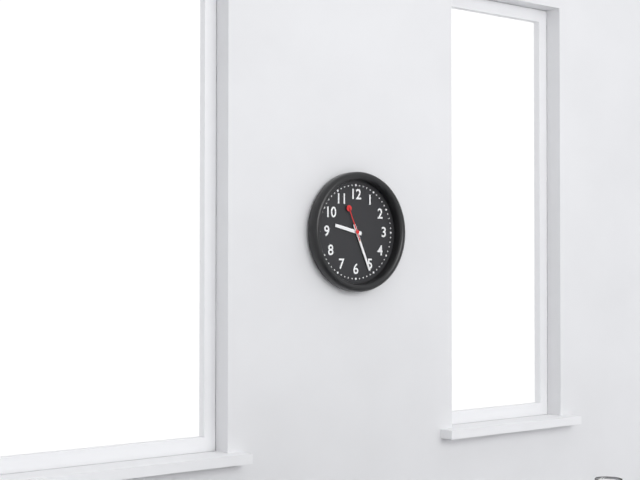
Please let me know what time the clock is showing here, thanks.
9:26
